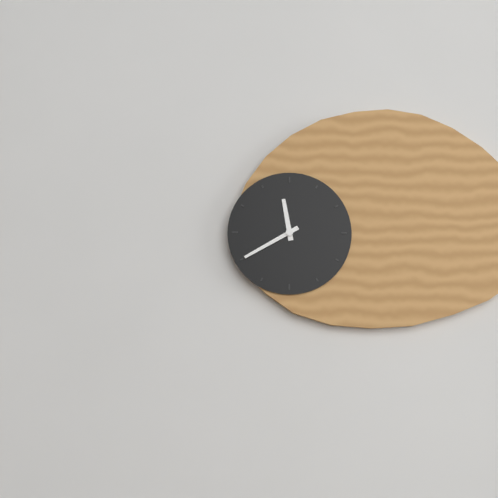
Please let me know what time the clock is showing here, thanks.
11:40
